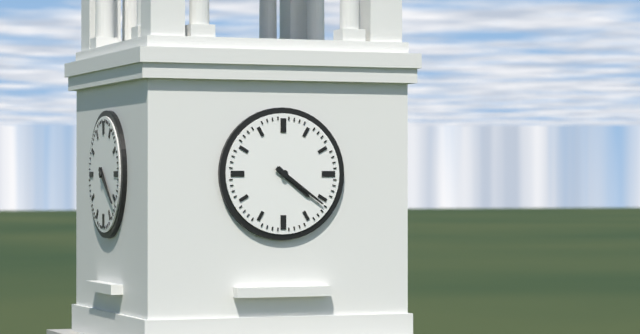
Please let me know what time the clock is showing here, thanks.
4:21
